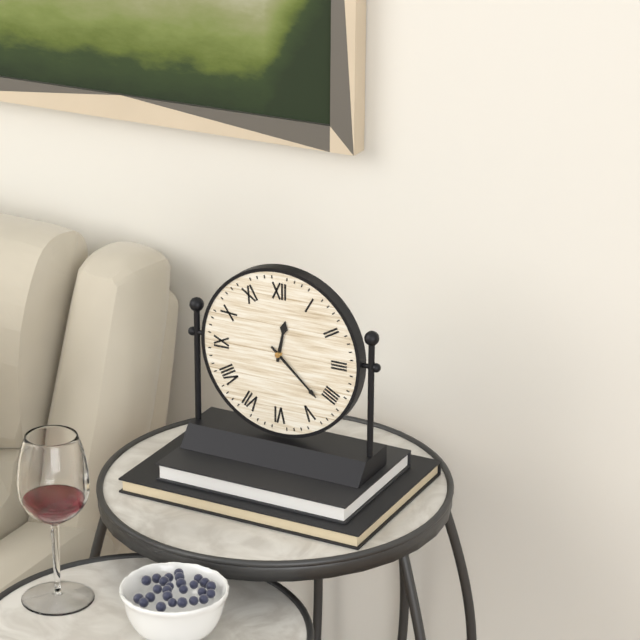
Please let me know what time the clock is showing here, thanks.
12:22
